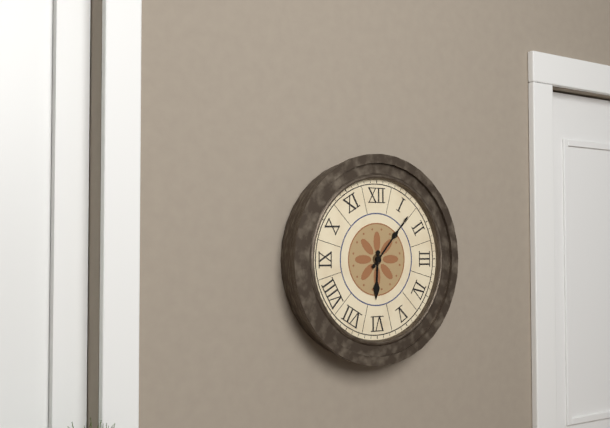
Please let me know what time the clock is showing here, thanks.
6:07
